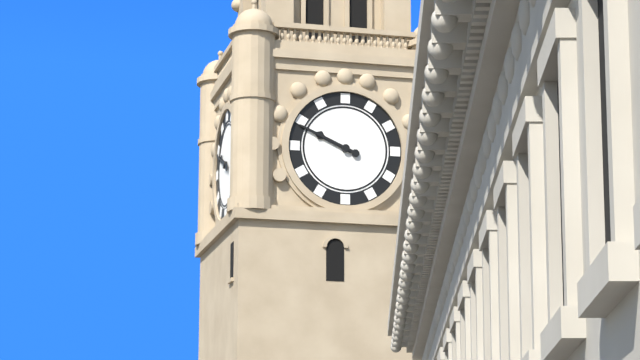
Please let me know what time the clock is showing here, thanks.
9:49
